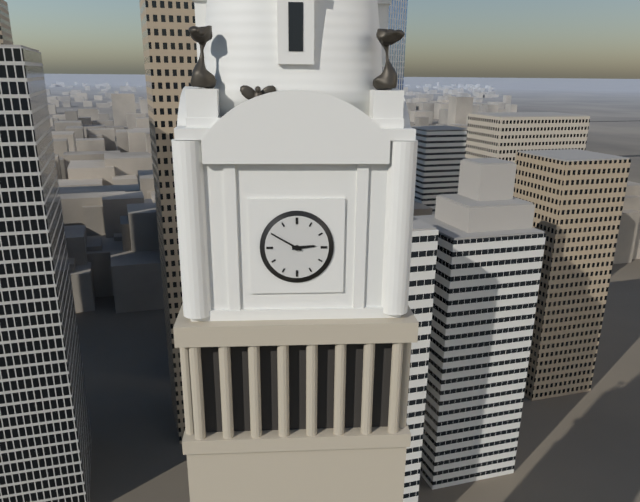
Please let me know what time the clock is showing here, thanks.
2:50
